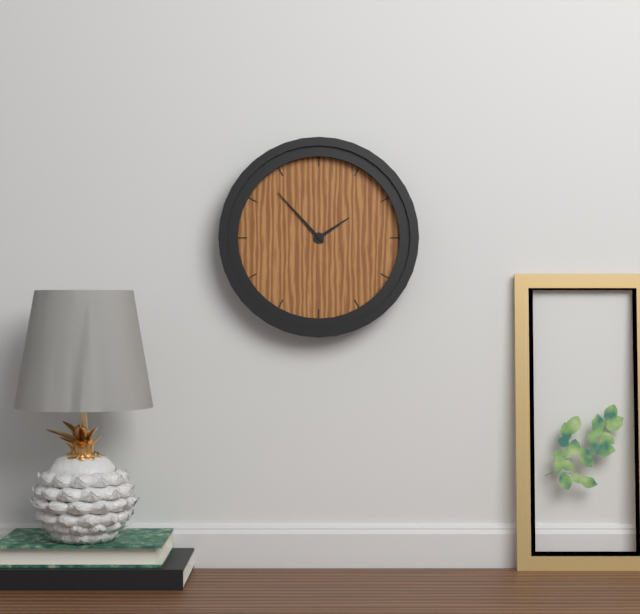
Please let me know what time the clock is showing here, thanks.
1:53
